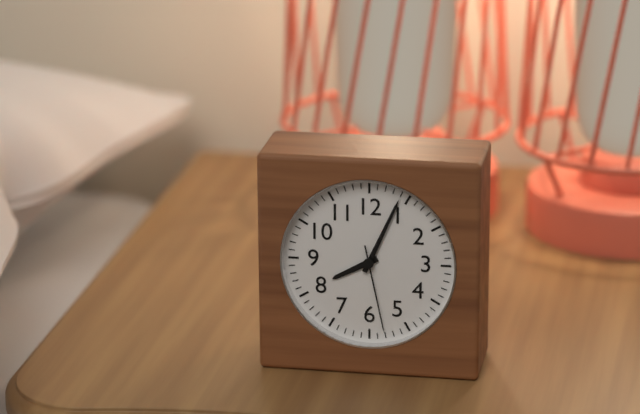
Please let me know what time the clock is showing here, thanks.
8:04:28
